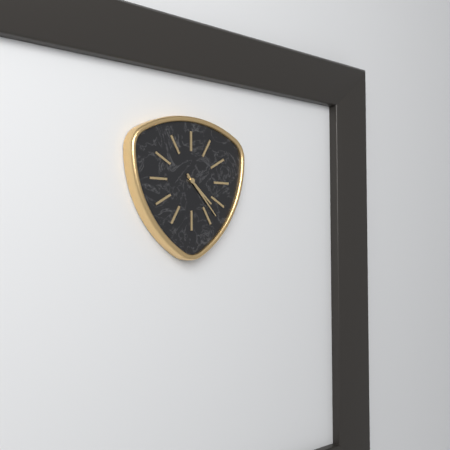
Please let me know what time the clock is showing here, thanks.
4:23
